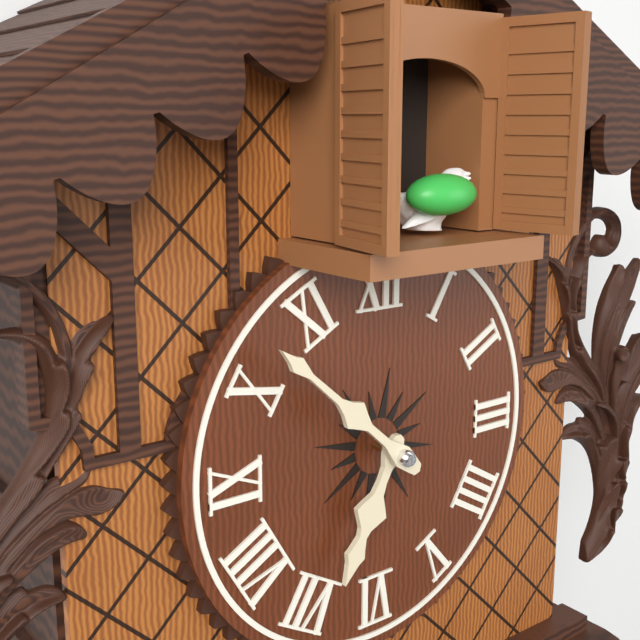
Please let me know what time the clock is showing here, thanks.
6:52
